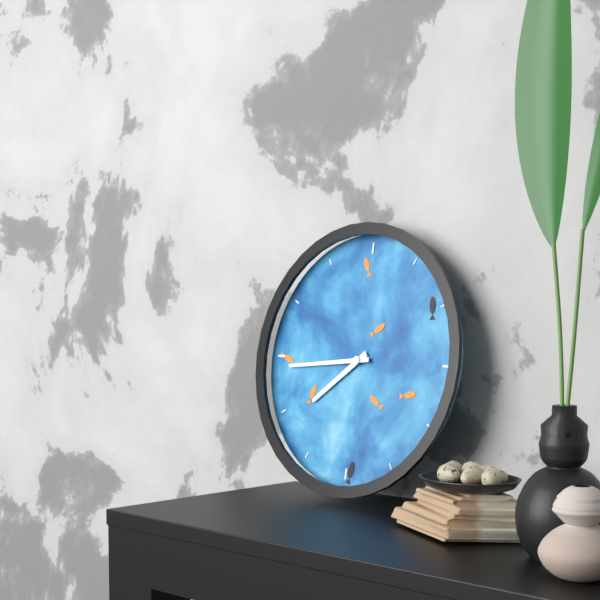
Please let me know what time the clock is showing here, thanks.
7:44
